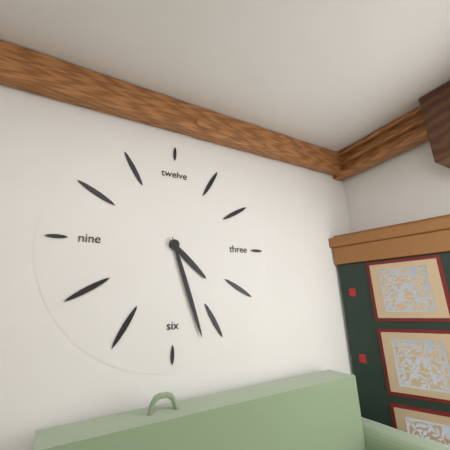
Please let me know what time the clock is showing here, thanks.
4:27
